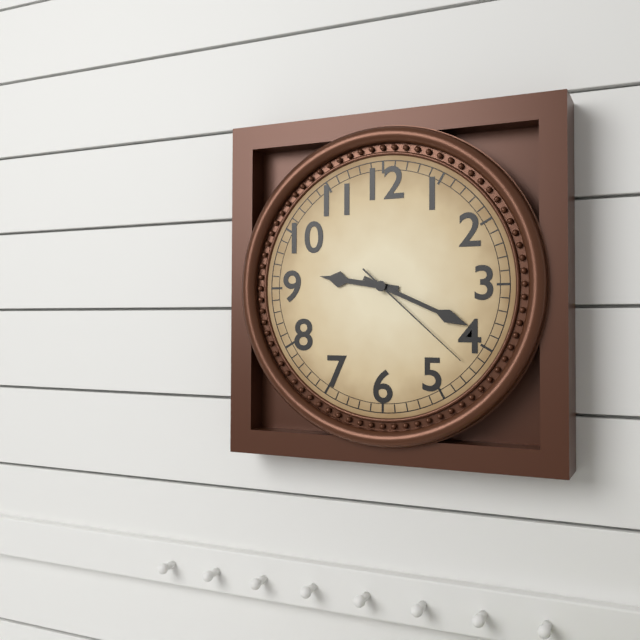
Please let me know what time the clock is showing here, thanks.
9:19:22
